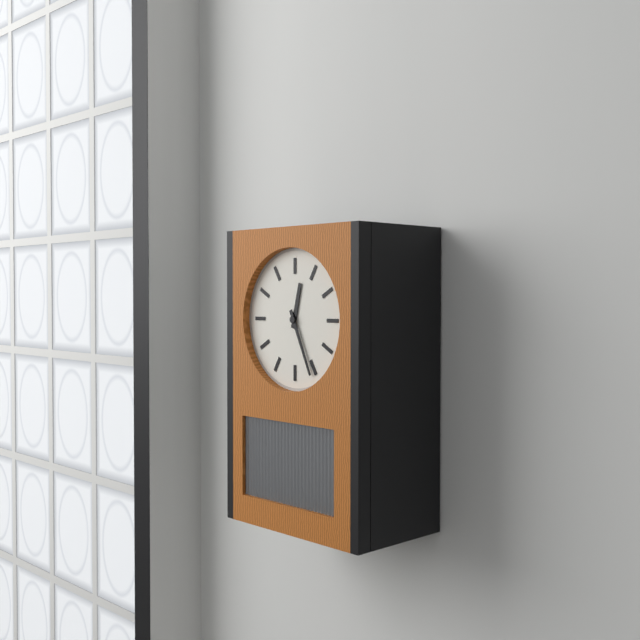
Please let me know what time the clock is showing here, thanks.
12:26
